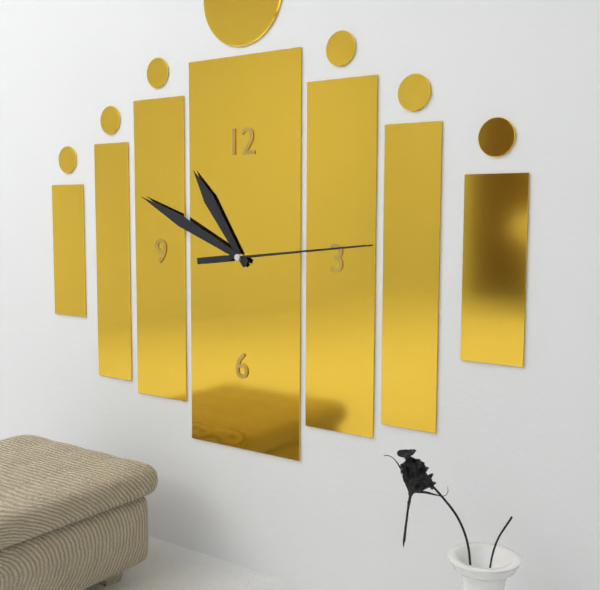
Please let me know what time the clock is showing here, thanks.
10:49:14
